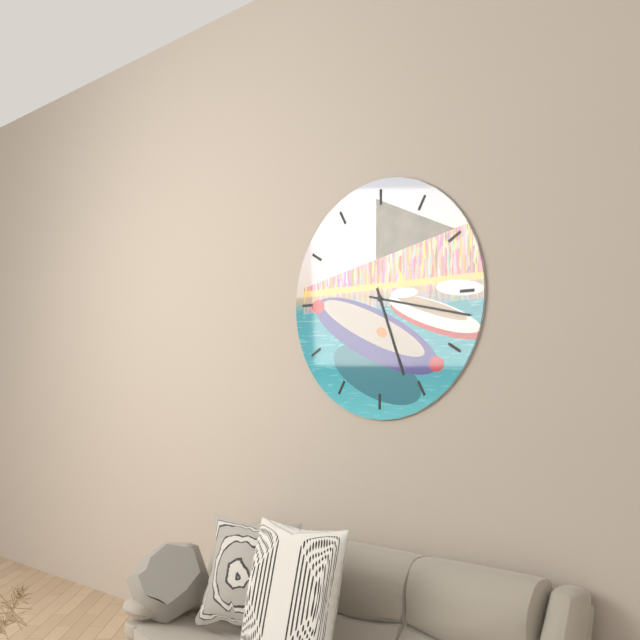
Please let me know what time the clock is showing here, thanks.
5:17
